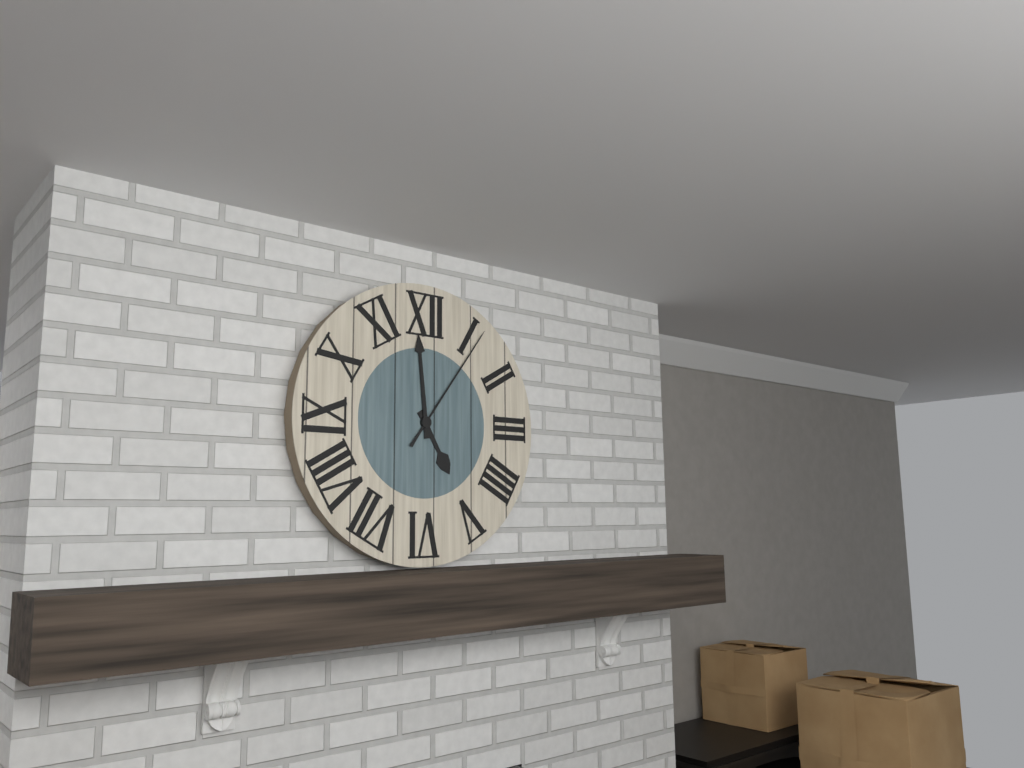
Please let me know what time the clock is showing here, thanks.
4:59:06
